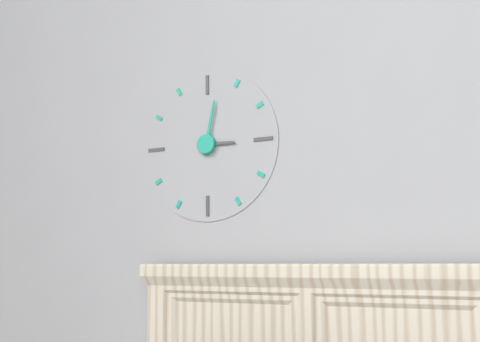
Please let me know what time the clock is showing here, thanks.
3:02
